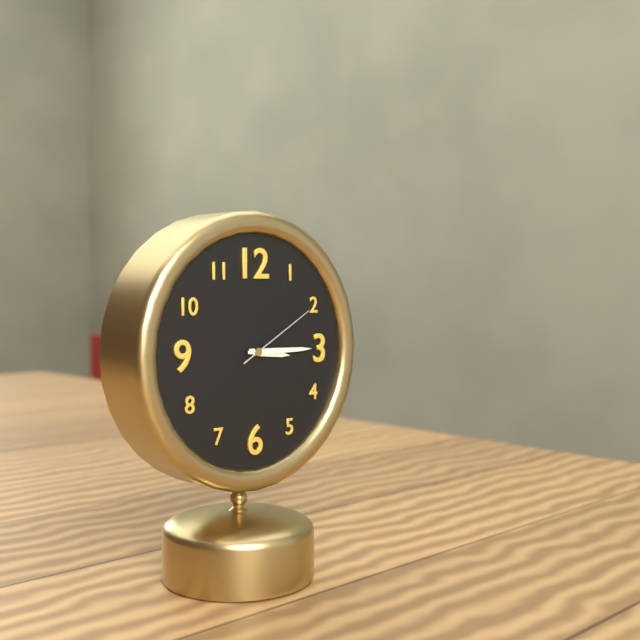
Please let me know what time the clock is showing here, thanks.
3:15:10
